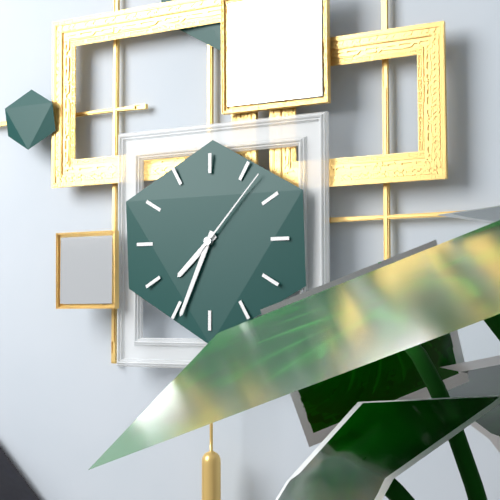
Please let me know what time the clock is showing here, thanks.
7:34:07
